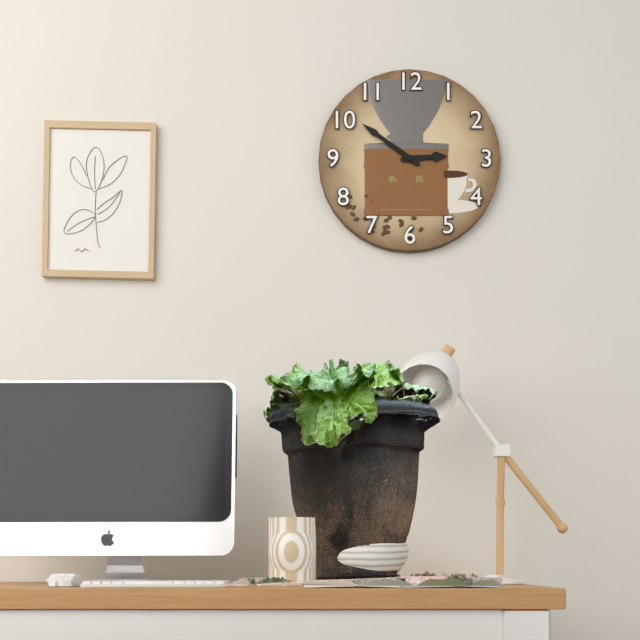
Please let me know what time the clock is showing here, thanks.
2:51
